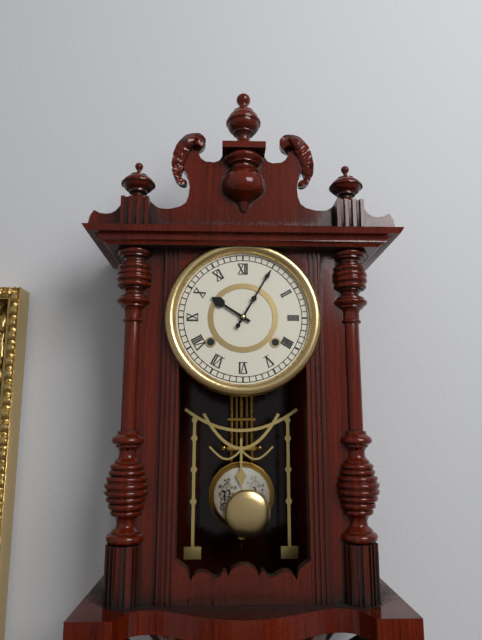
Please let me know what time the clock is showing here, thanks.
10:05
